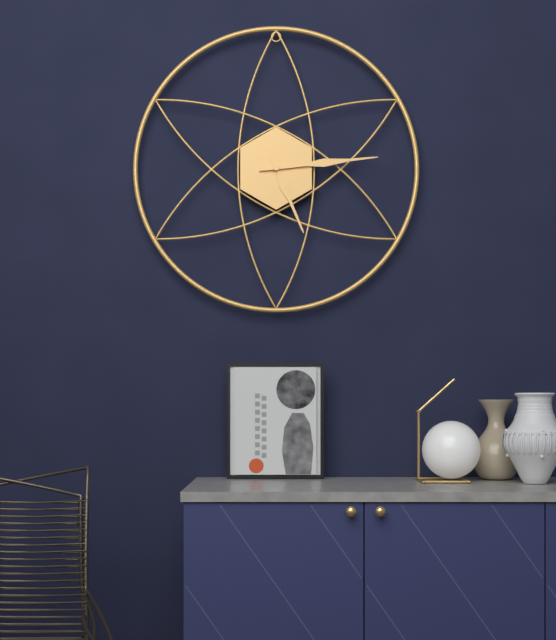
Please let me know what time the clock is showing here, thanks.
5:14
